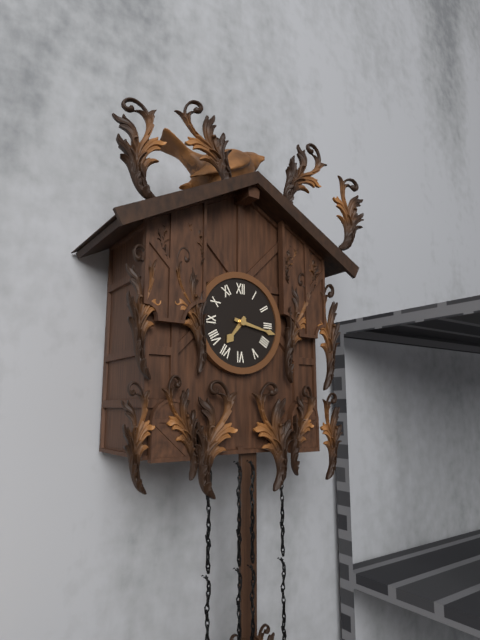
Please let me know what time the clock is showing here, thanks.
7:17
